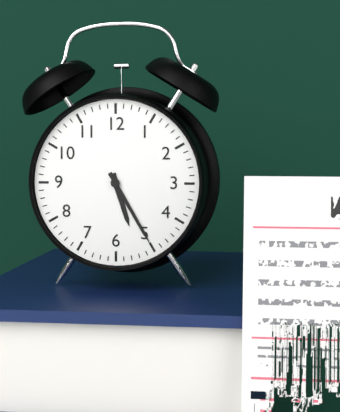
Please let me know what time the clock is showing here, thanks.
5:25
